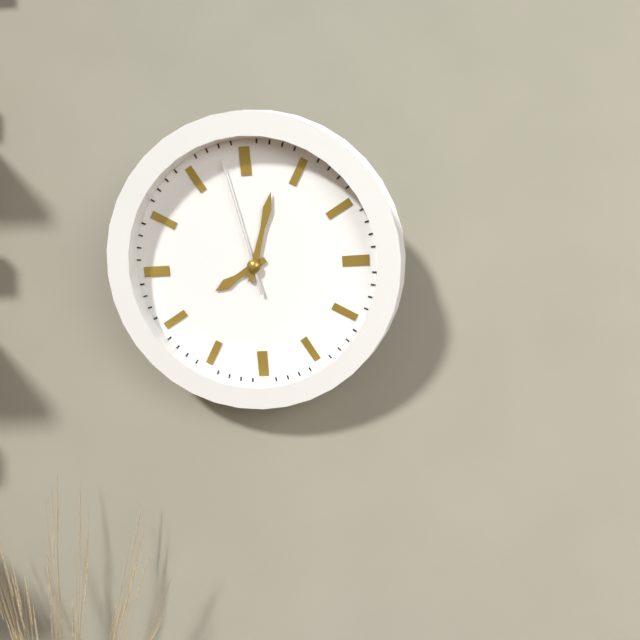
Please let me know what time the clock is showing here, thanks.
8:03:58
